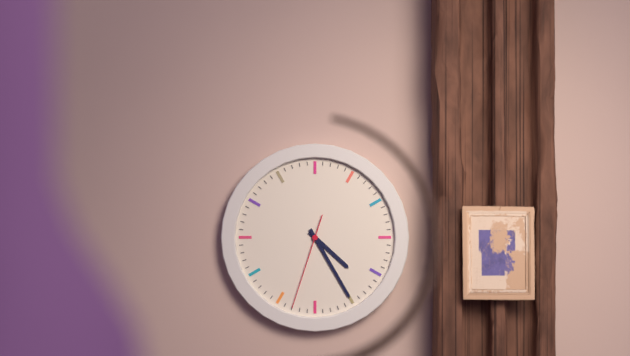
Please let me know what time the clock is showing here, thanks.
4:25:33
